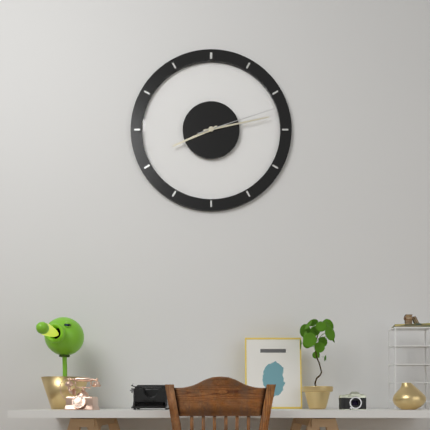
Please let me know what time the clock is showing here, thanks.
8:13:12
